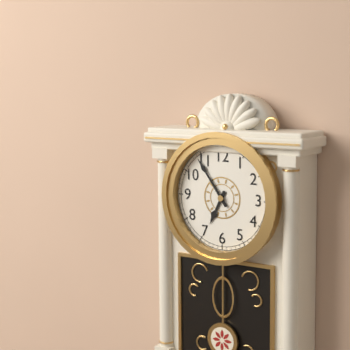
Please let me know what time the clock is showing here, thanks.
6:54
